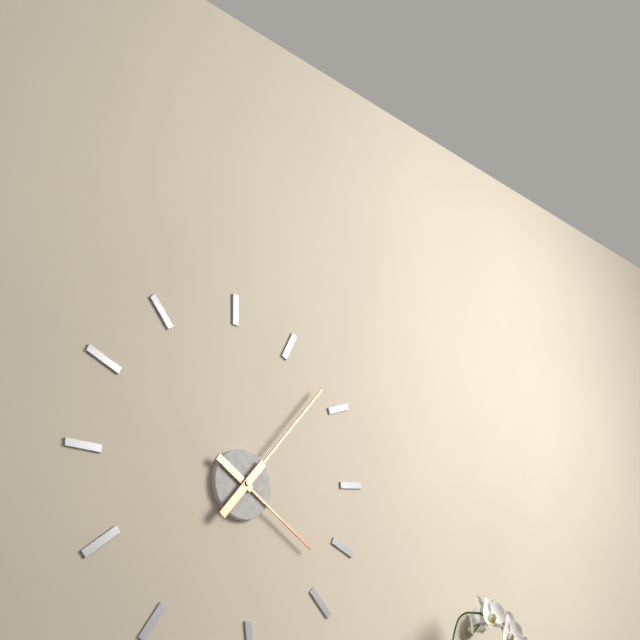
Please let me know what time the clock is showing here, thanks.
4:07
